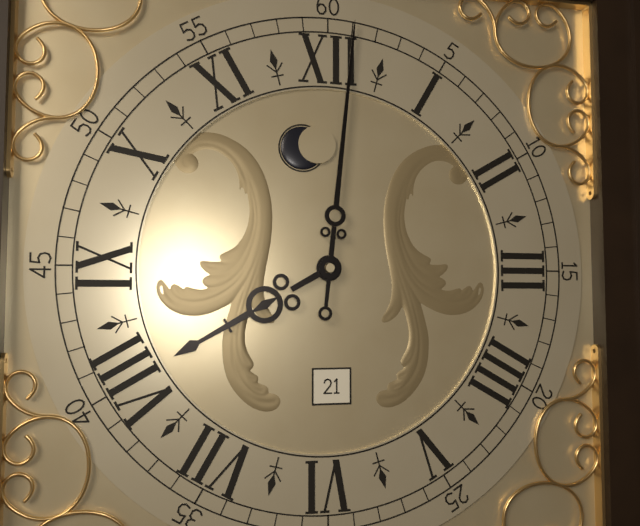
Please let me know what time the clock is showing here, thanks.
8:01
